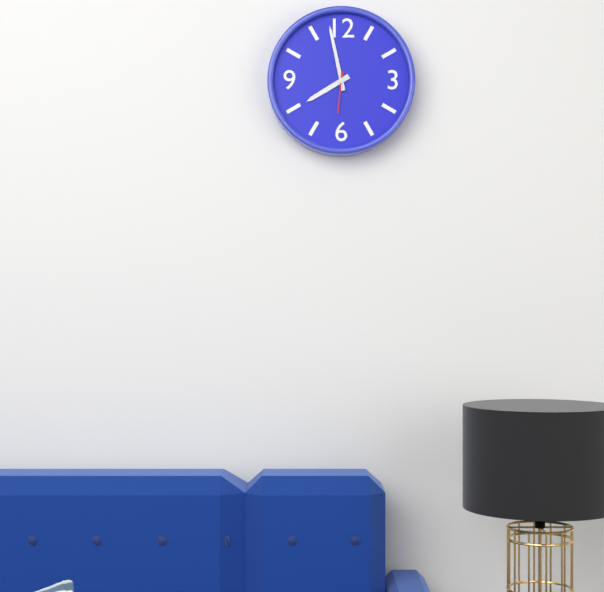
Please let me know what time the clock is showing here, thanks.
7:58
